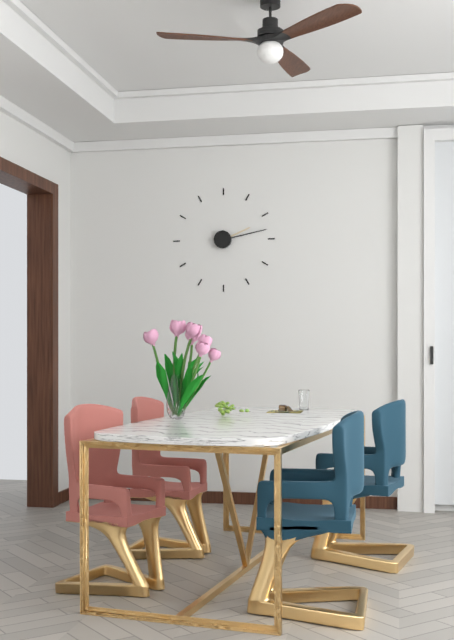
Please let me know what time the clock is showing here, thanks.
2:13
